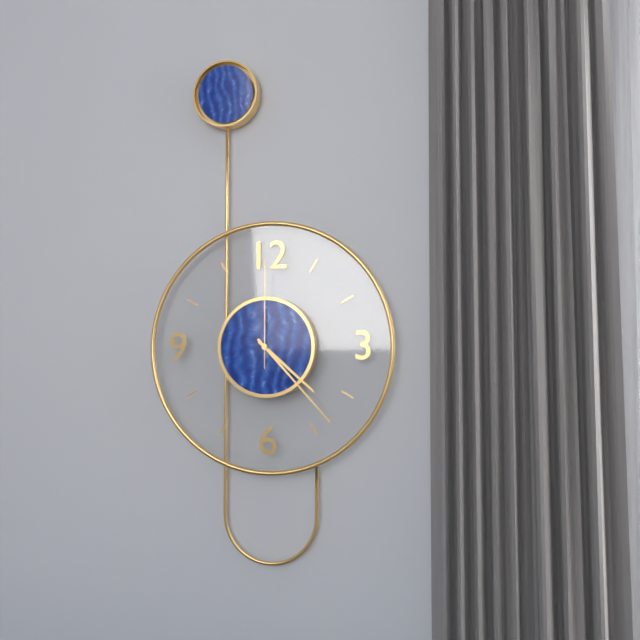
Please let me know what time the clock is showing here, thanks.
4:23:00
